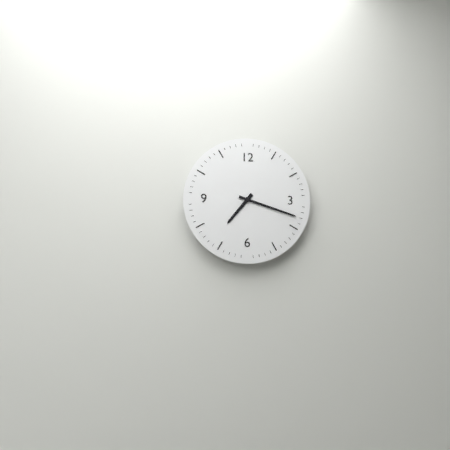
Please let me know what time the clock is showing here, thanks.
7:18
